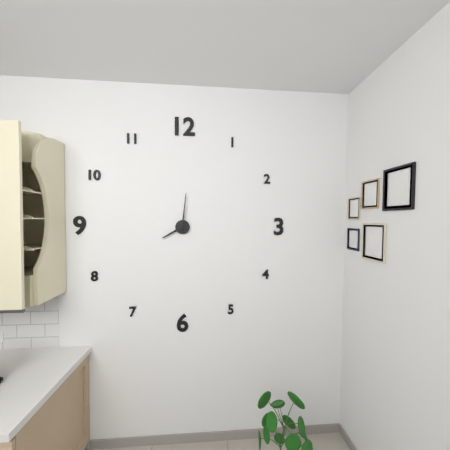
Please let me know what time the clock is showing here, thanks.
8:01
